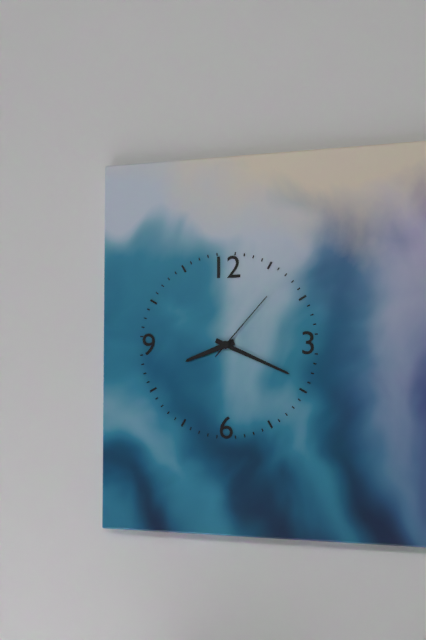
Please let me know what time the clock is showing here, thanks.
8:19:07
